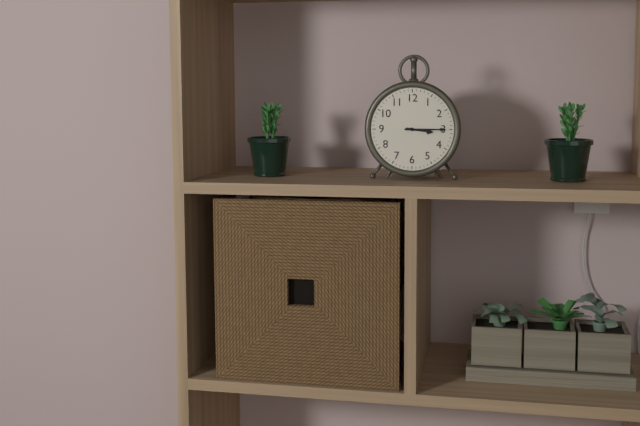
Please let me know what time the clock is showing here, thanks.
3:15
